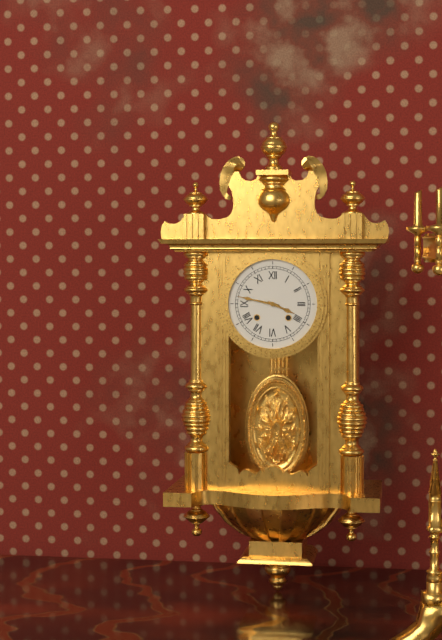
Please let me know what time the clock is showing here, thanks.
3:47
